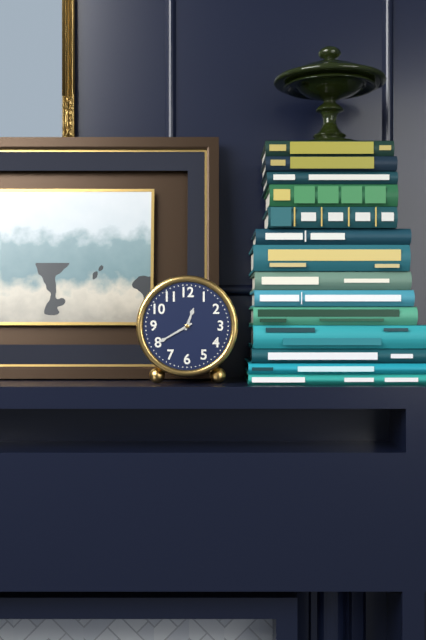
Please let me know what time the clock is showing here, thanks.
12:40
